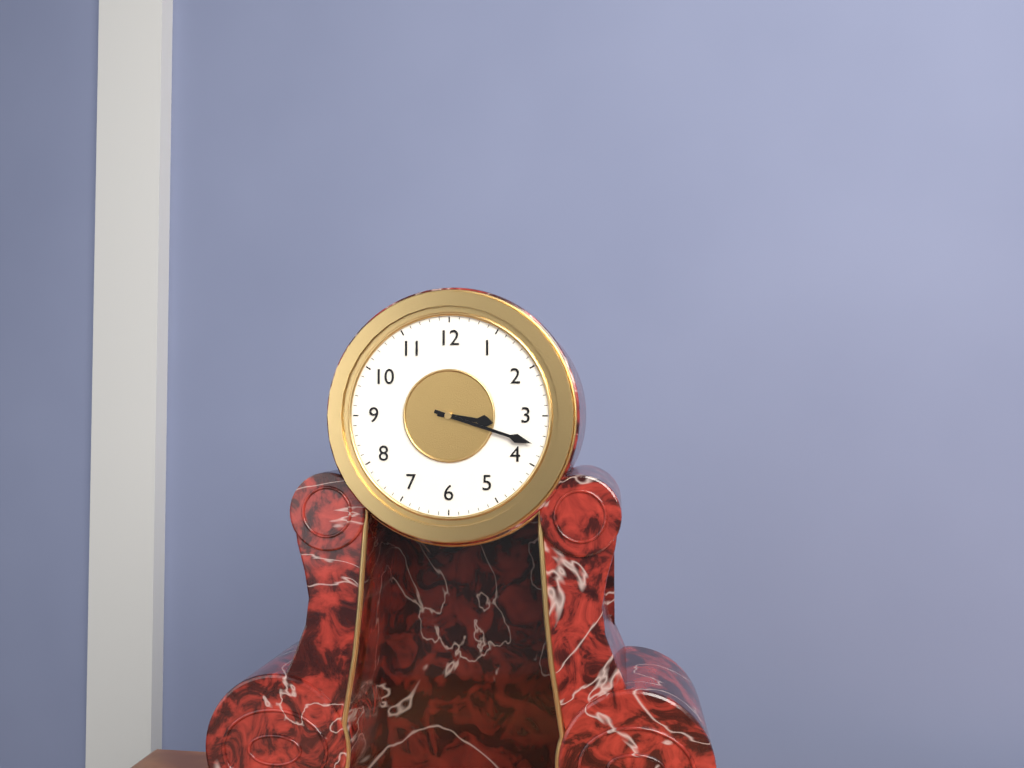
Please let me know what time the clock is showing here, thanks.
3:18
